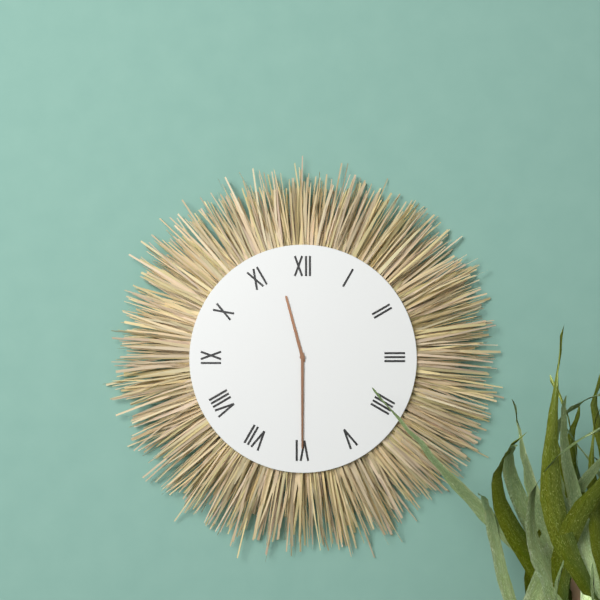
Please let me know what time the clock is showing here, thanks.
11:30
